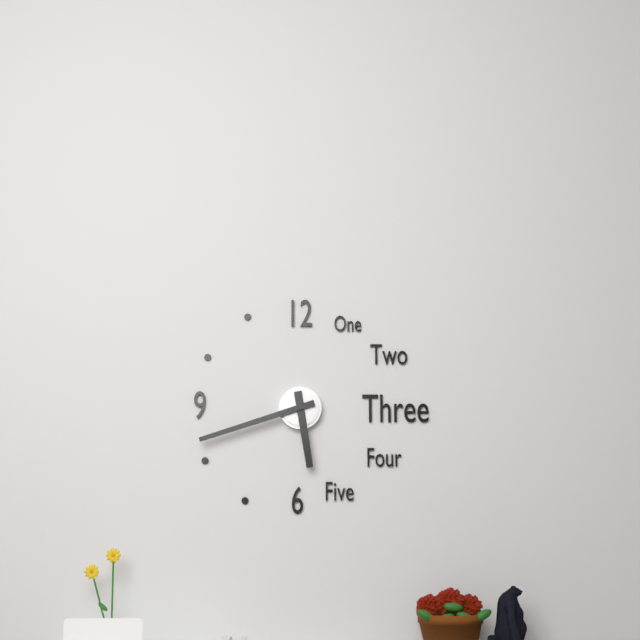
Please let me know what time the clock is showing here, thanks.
5:42
